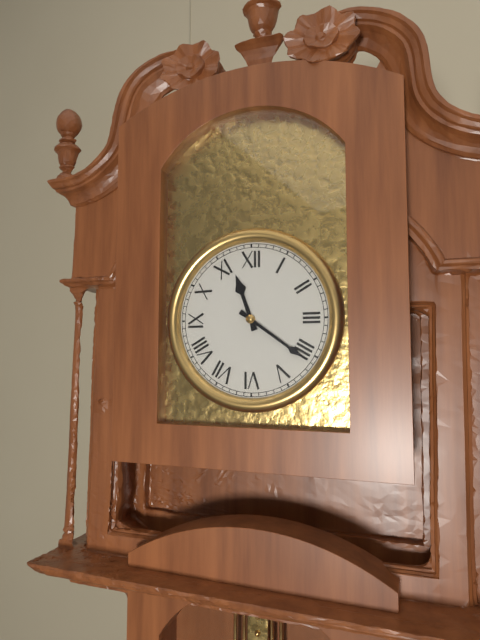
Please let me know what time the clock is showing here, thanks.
11:21
